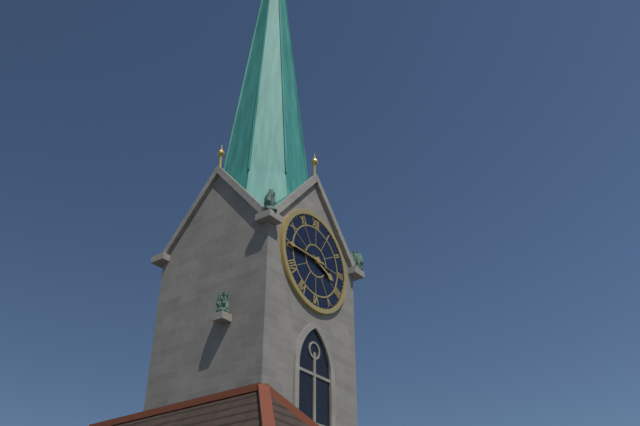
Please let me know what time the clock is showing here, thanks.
3:45
